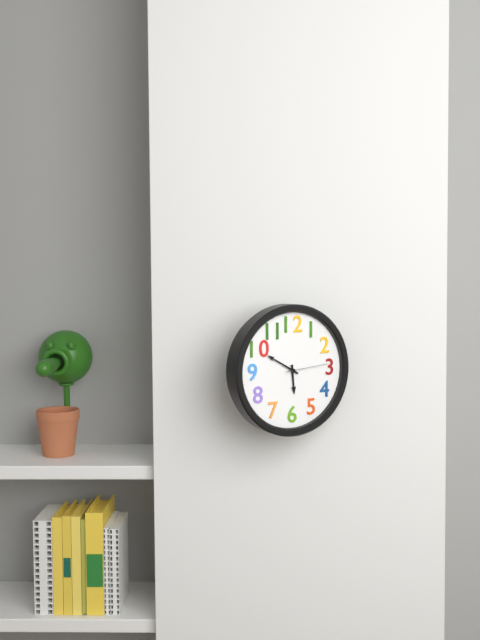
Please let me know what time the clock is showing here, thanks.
5:50
